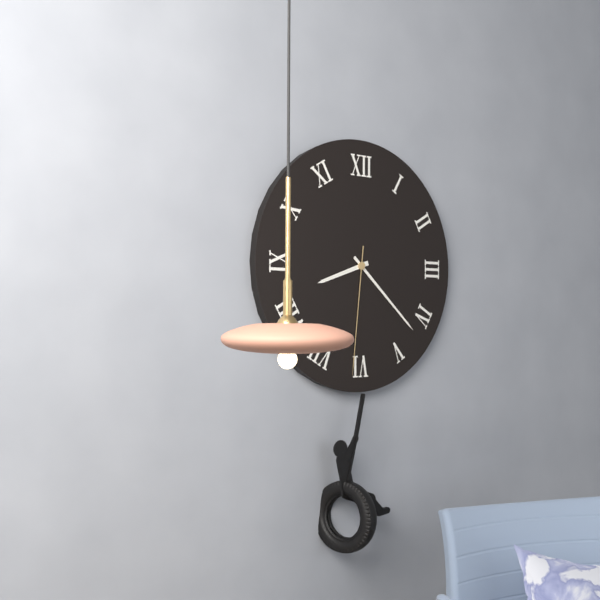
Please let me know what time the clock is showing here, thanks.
8:22:31
